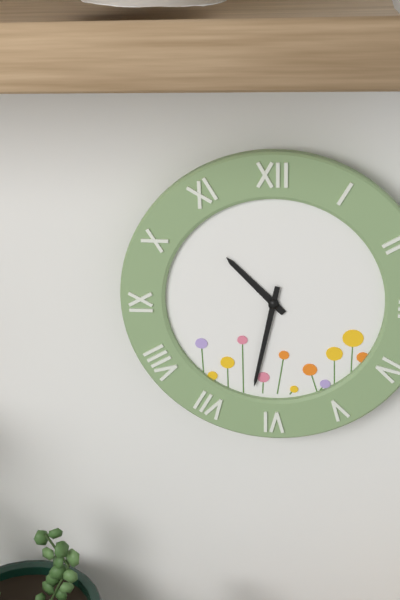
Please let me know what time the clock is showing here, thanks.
10:32
